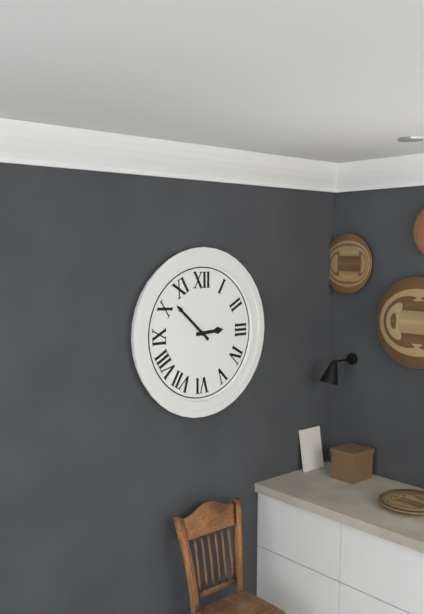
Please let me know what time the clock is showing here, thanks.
2:52
